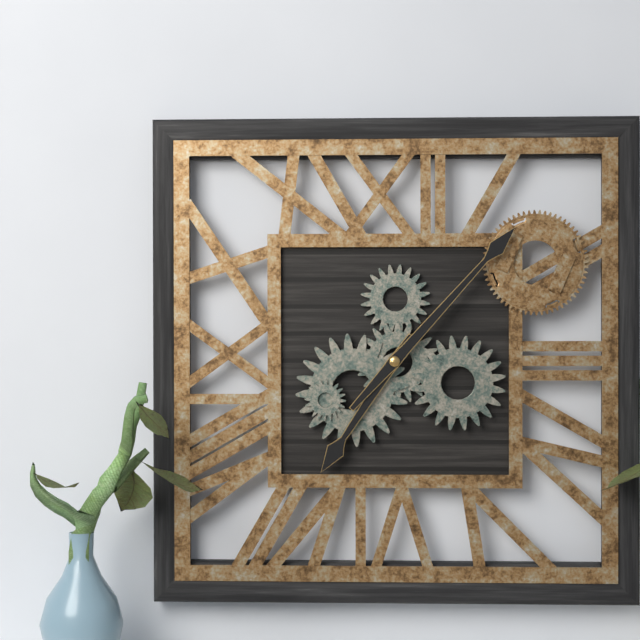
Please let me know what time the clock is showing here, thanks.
7:07
